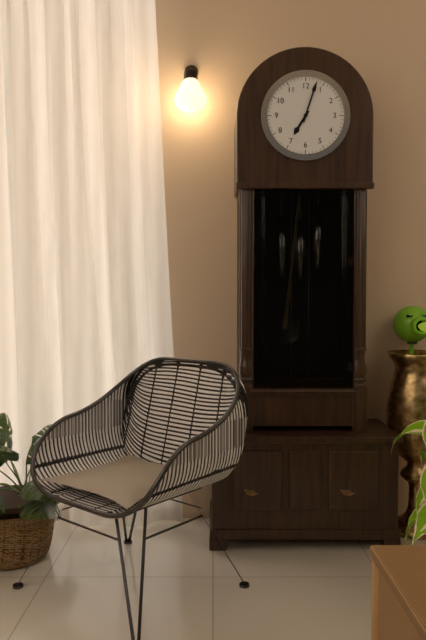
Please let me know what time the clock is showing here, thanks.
7:03
